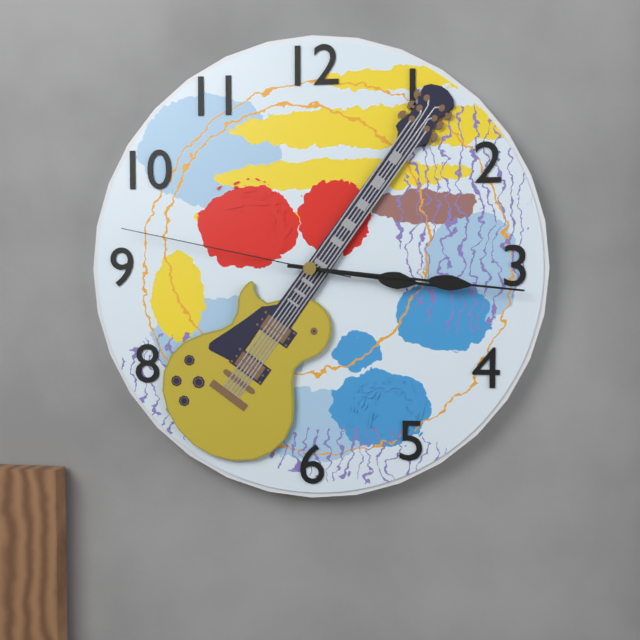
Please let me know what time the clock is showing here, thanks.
3:16:47
